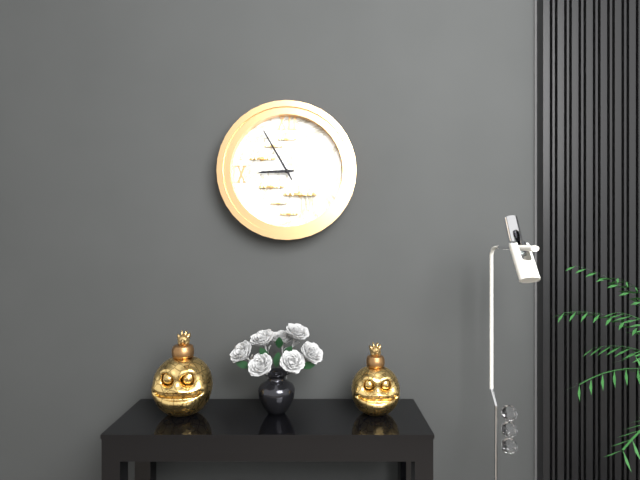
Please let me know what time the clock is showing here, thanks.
8:55
